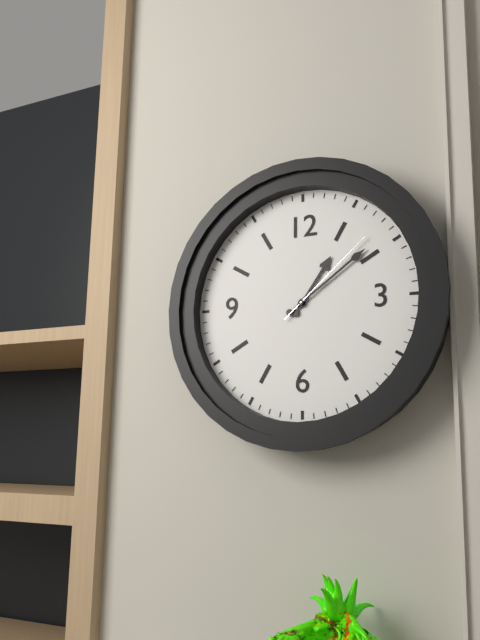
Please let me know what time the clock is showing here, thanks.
1:09:08
